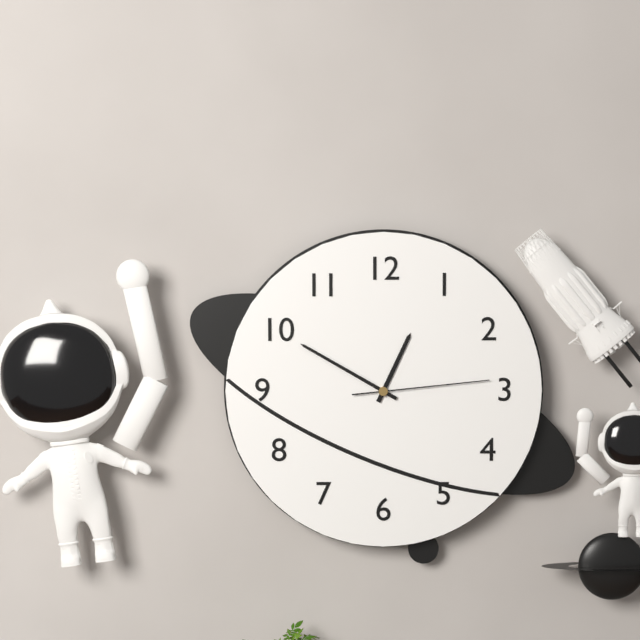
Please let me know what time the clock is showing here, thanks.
12:50:14
